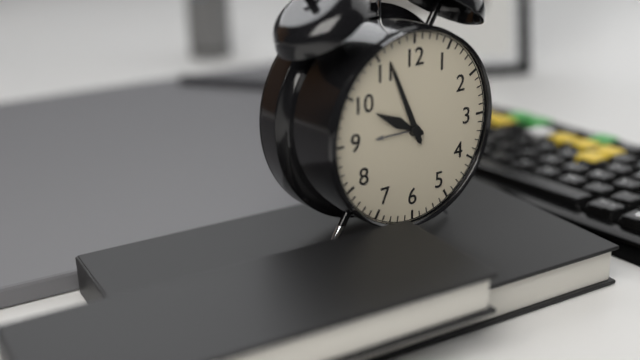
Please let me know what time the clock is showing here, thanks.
9:56
